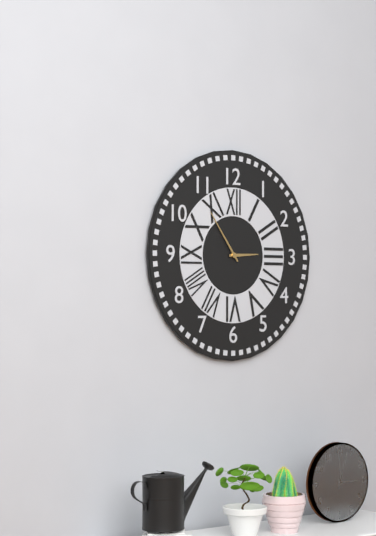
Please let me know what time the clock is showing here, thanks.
2:54
